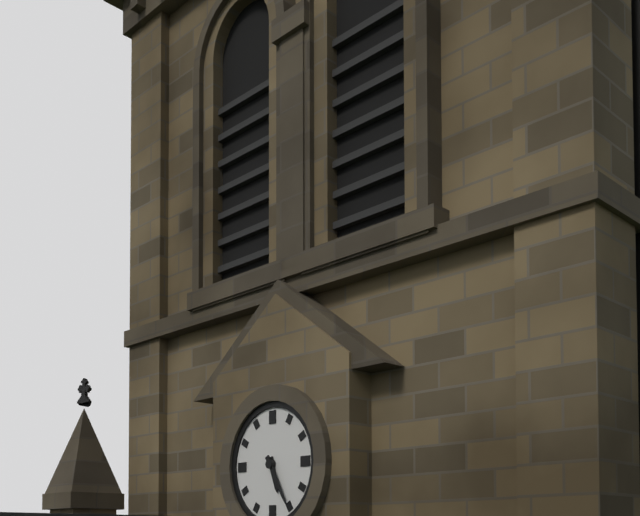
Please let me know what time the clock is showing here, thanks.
5:25
